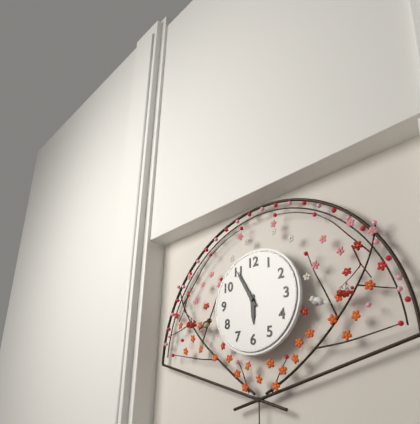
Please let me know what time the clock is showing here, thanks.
5:55
